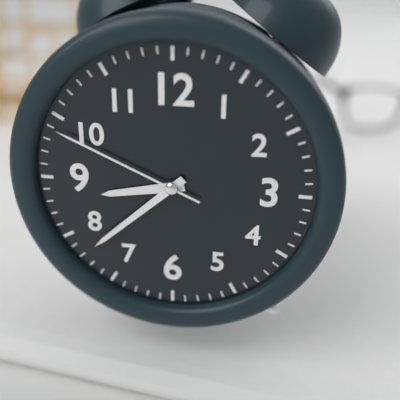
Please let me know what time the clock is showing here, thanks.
8:38:49
